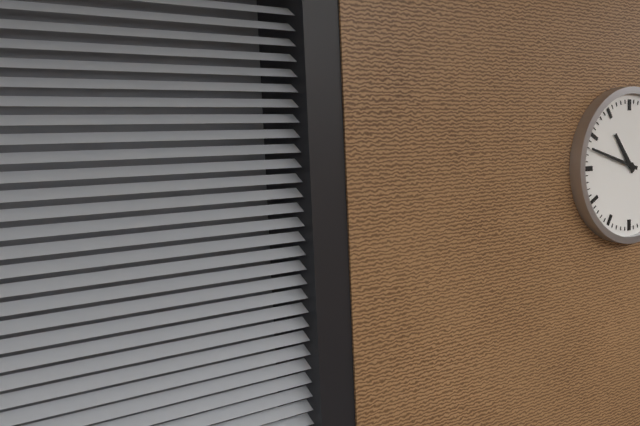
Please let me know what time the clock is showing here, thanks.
10:48
